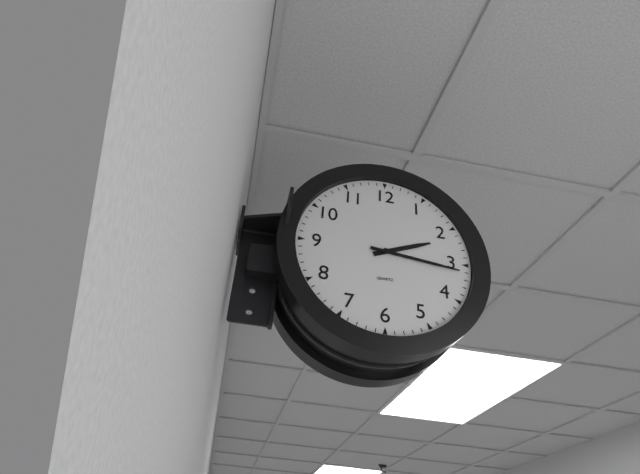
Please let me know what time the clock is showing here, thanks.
2:16
